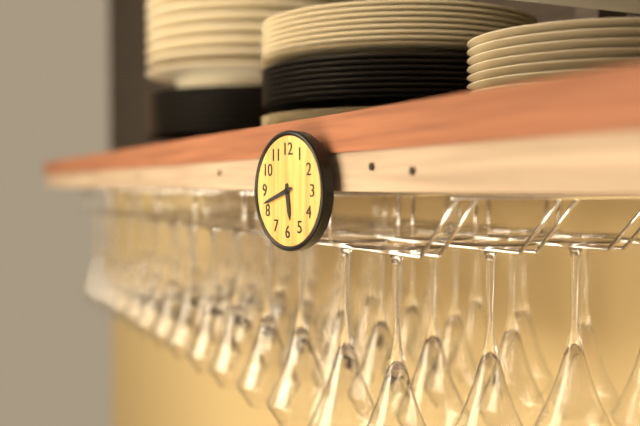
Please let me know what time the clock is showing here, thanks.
5:42
